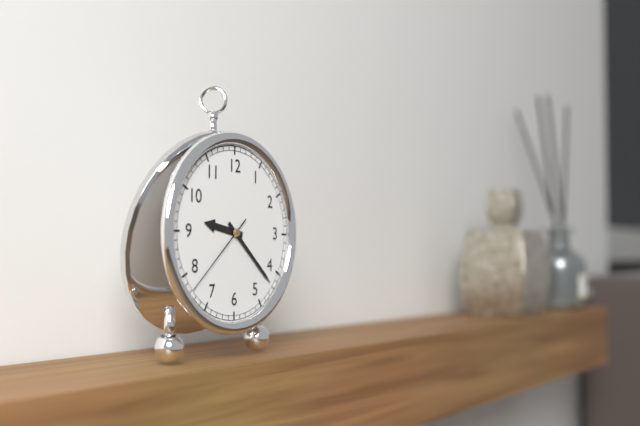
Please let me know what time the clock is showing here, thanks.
9:22:38
